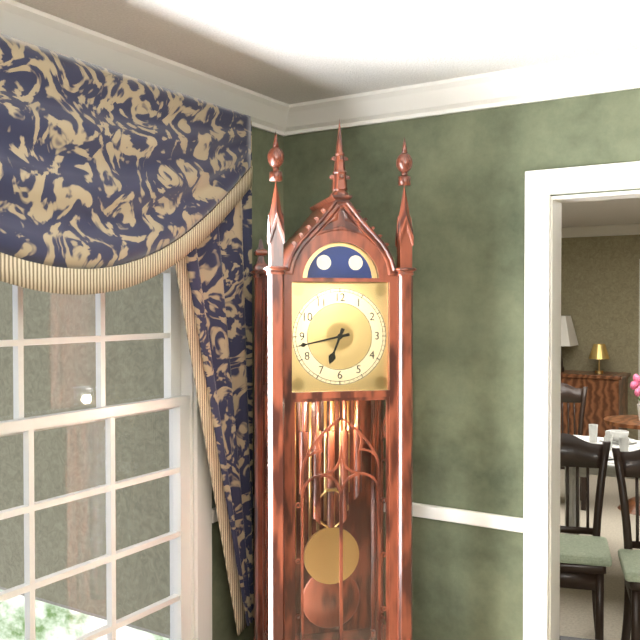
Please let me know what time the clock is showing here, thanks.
6:43
